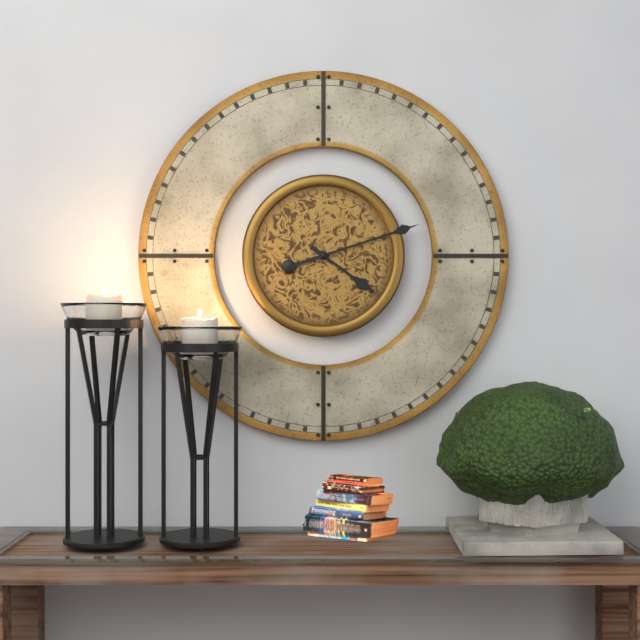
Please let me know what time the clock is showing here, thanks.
4:12
